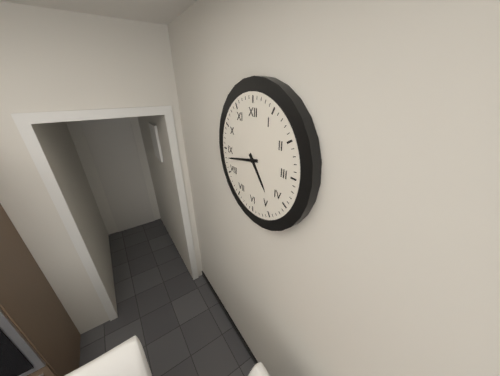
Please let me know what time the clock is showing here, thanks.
4:43
